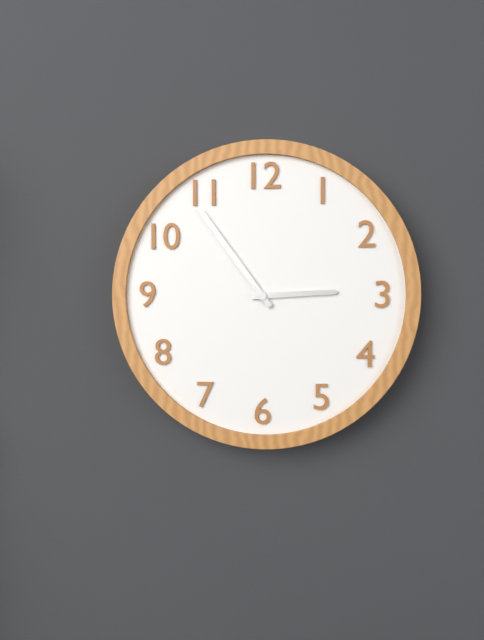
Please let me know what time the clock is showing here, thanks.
2:54
